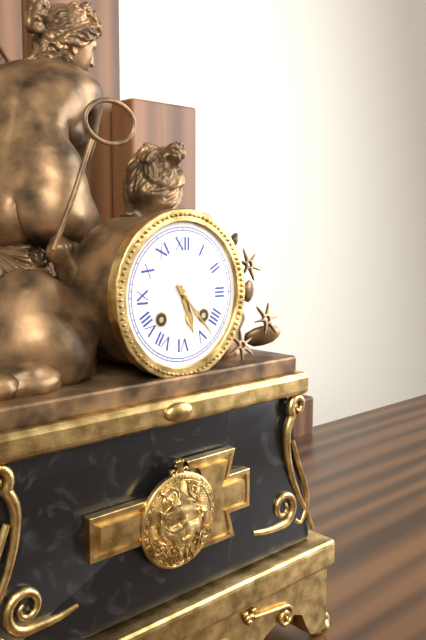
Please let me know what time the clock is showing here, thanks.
5:23
